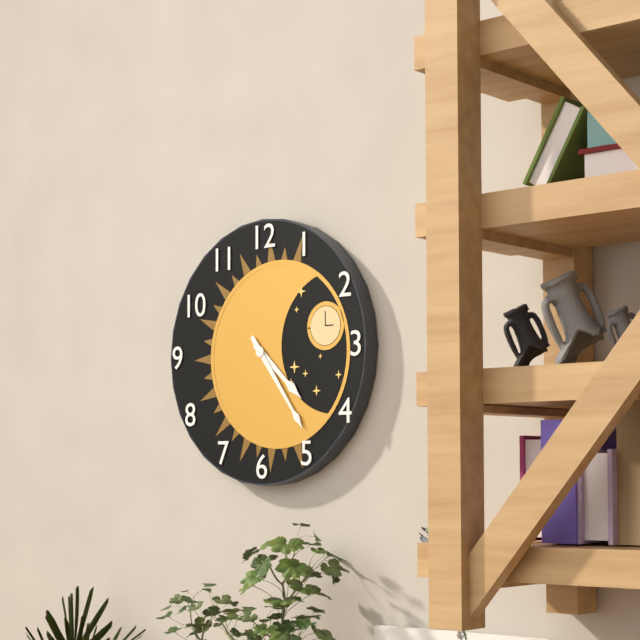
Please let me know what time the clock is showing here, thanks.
4:24
